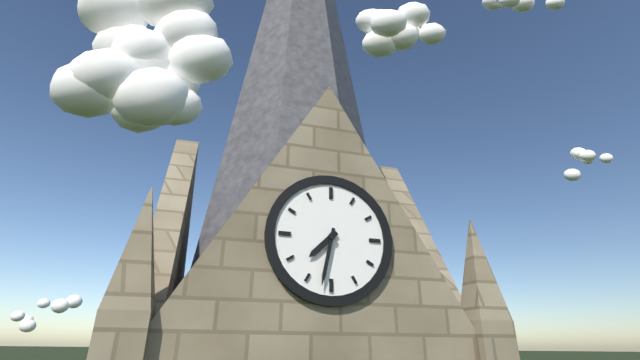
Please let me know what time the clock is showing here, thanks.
7:32
